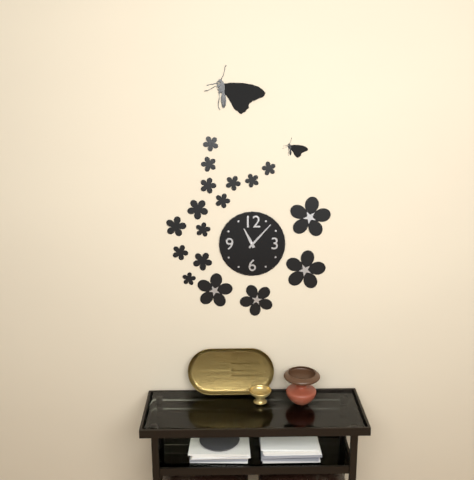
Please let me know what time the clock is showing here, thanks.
11:07
